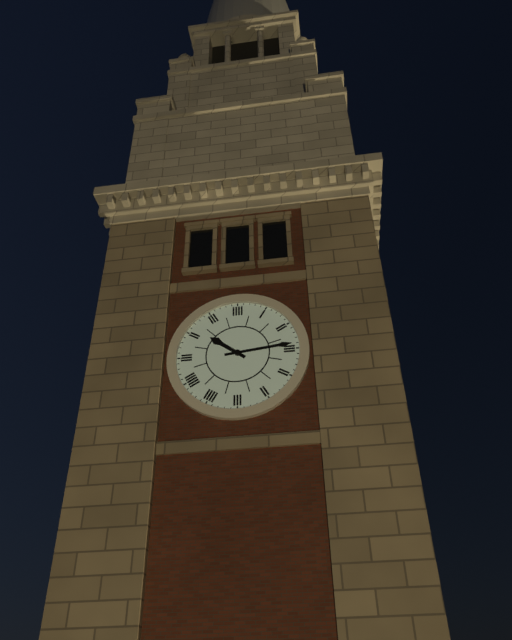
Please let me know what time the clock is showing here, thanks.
10:14
